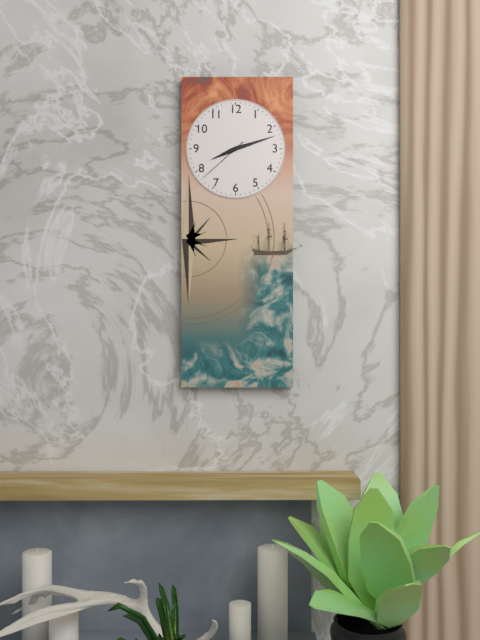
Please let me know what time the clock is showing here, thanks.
8:12:38
